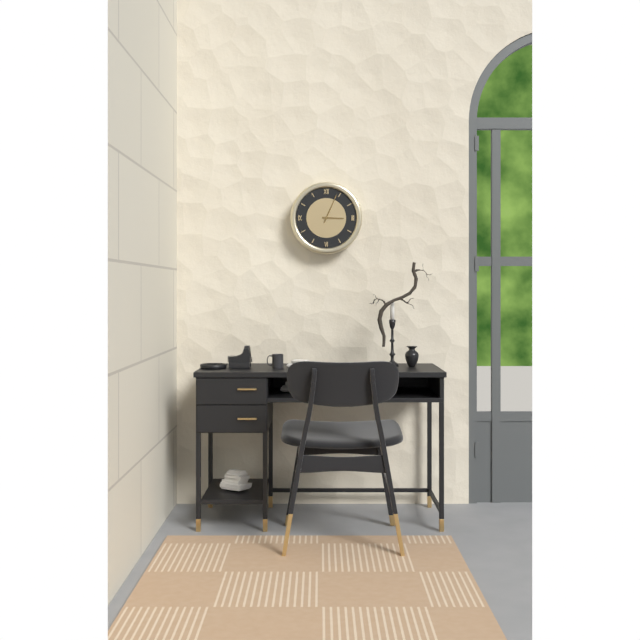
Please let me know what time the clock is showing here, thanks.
3:04
